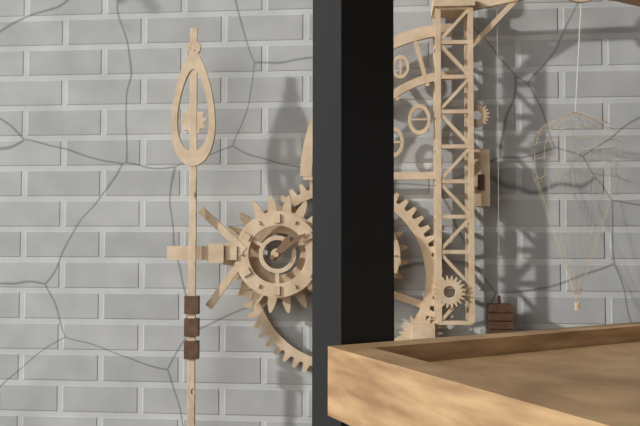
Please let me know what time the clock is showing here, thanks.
1:09
